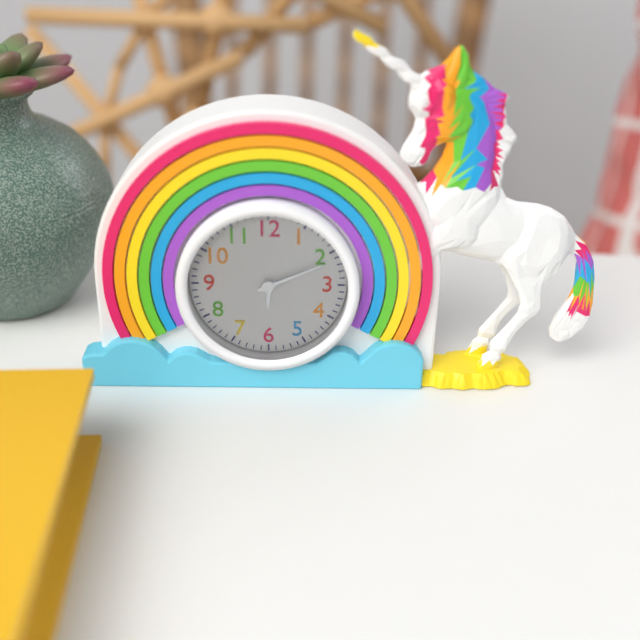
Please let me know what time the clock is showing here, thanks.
2:11
